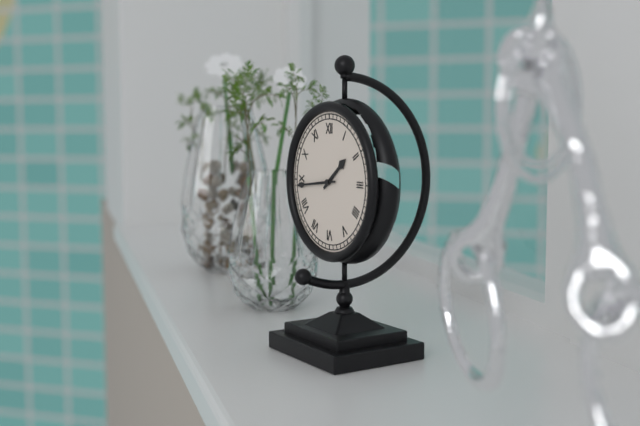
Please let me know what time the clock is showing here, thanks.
1:44
